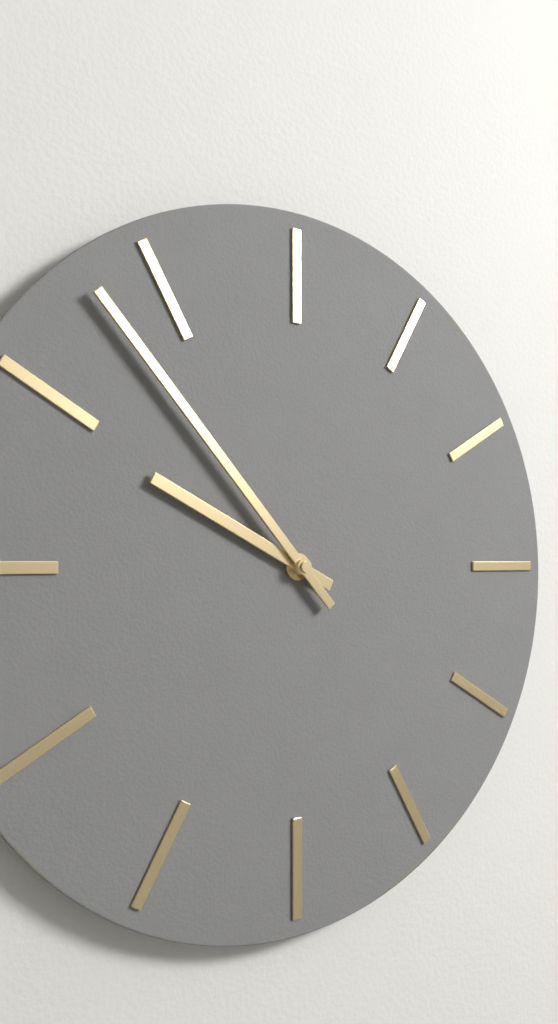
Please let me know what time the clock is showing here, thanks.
9:53
